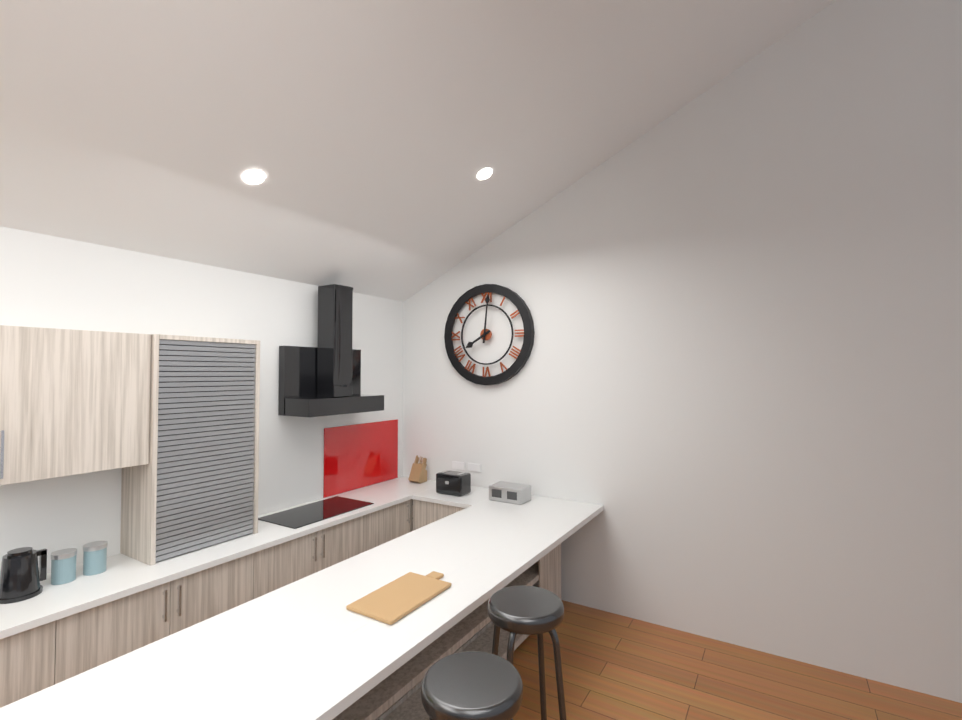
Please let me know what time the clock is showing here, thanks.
8:01
